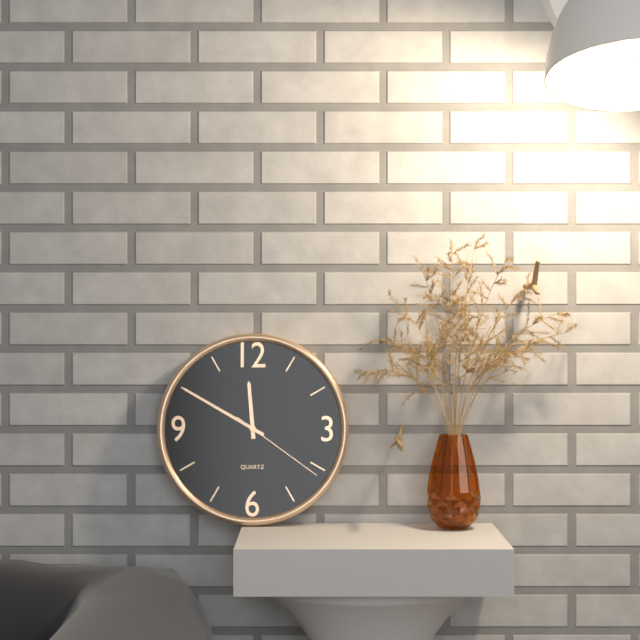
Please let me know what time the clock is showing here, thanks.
11:50:21
